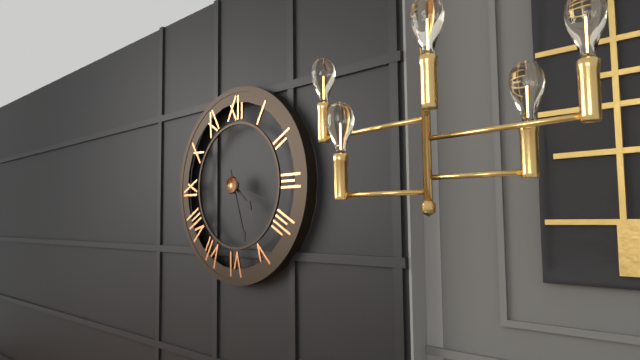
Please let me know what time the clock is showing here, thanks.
4:27
